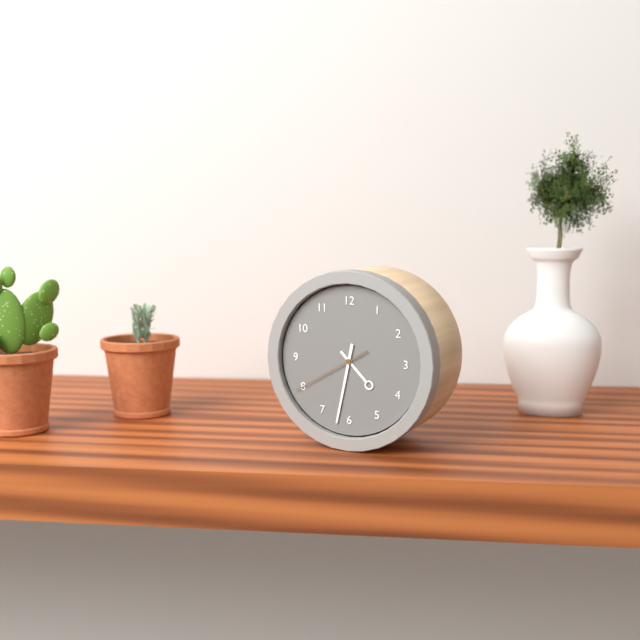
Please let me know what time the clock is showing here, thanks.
4:32:40
